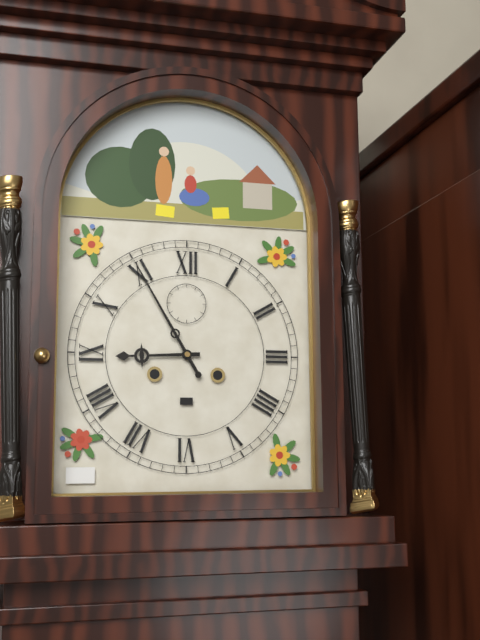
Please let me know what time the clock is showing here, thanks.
8:55
